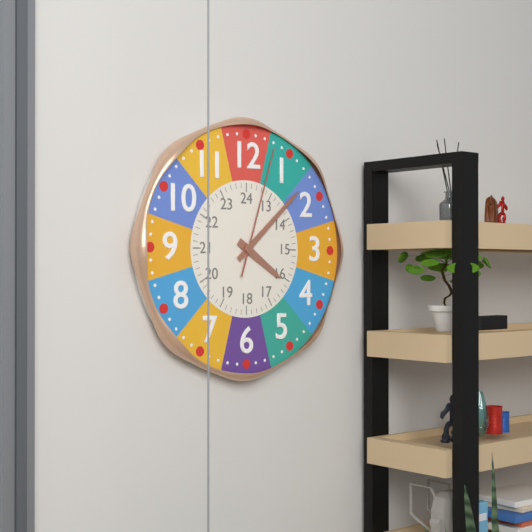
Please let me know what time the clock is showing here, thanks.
4:08:03
